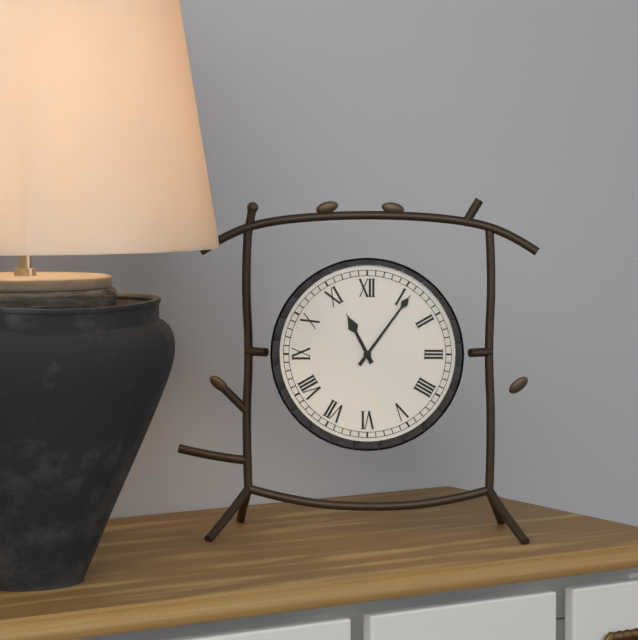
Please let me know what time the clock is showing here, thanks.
11:06
